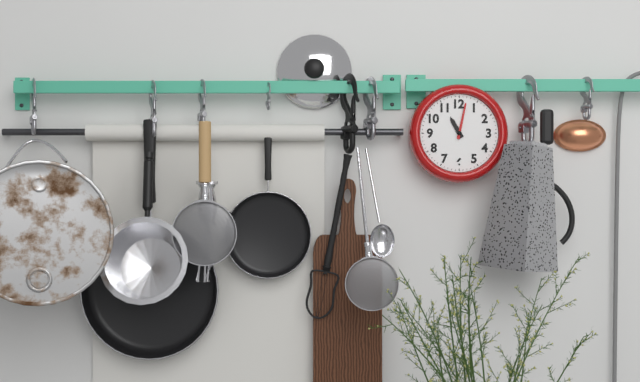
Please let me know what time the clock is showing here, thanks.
11:02
